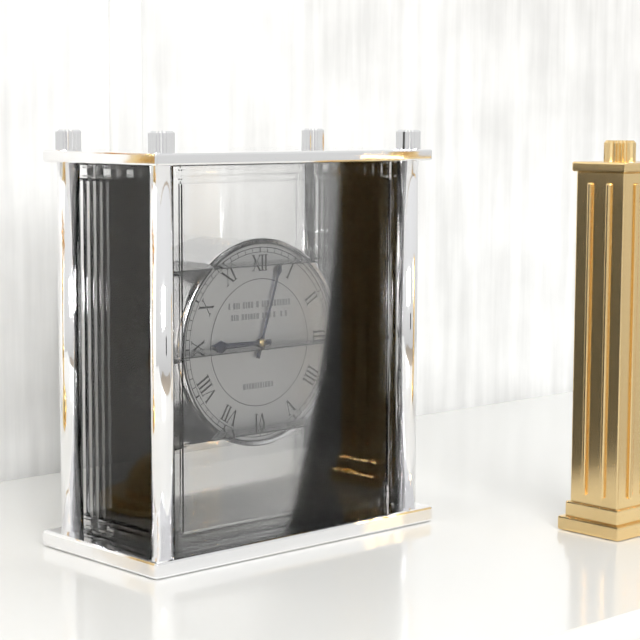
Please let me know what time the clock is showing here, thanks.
9:03
